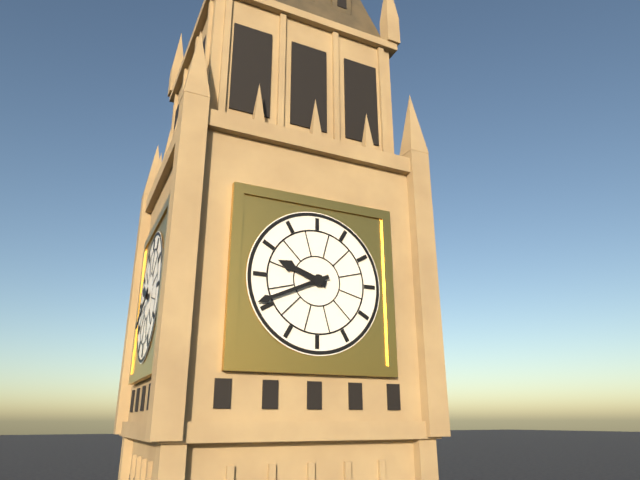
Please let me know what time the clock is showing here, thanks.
9:41
